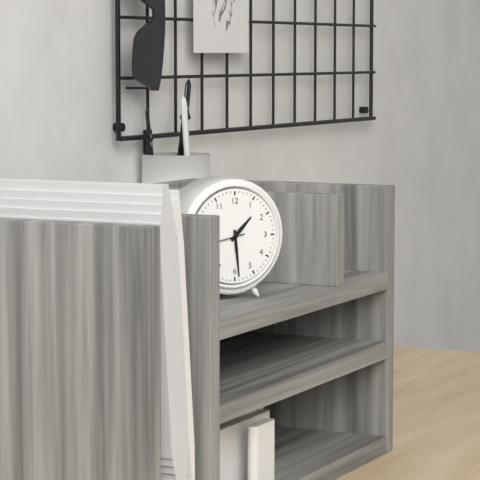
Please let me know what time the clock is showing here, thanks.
1:29
